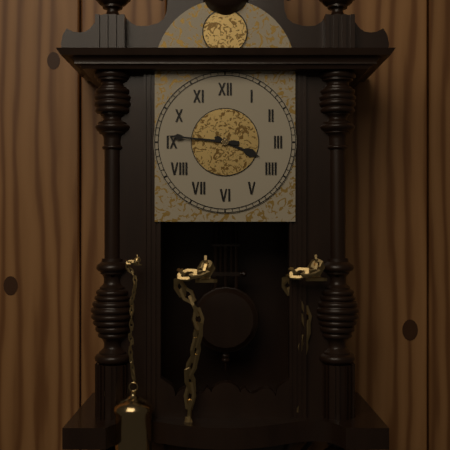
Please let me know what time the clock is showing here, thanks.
3:46
